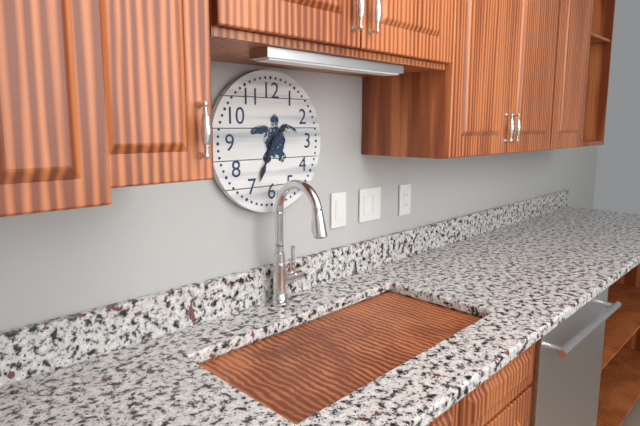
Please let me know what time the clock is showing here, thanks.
1:34
